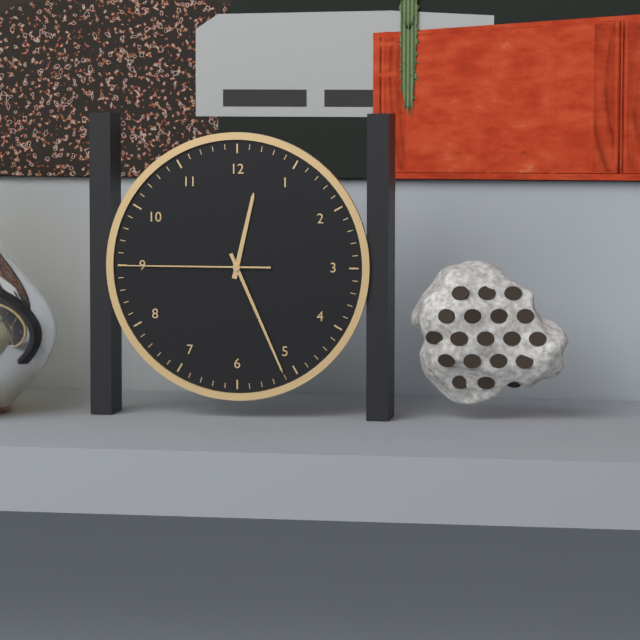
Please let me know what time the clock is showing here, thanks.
12:26:45
